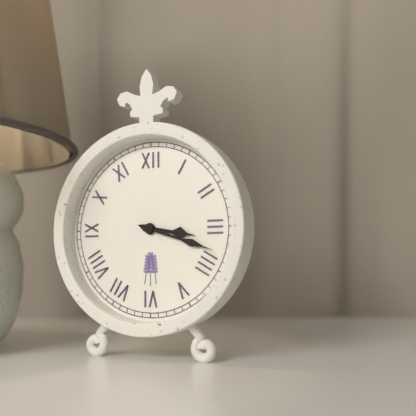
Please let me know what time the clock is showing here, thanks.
3:18
